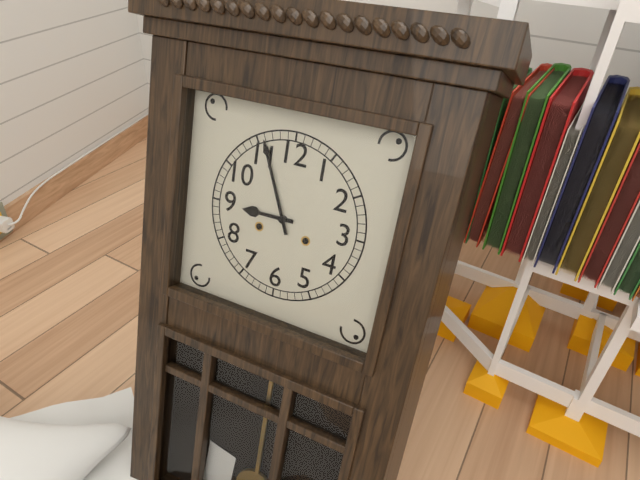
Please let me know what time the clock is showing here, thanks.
8:56
